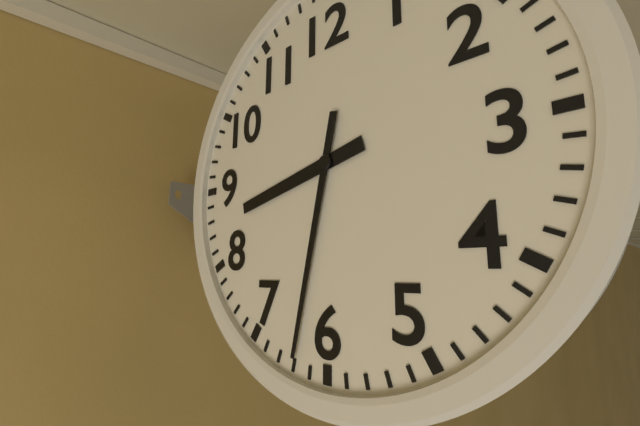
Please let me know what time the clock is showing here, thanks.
8:32
